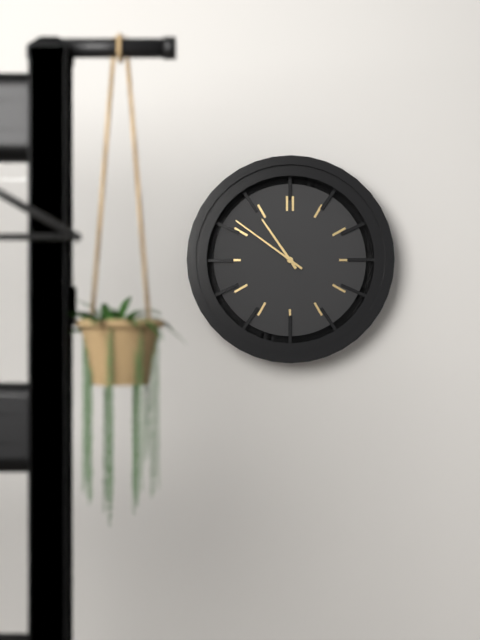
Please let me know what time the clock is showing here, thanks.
10:51
